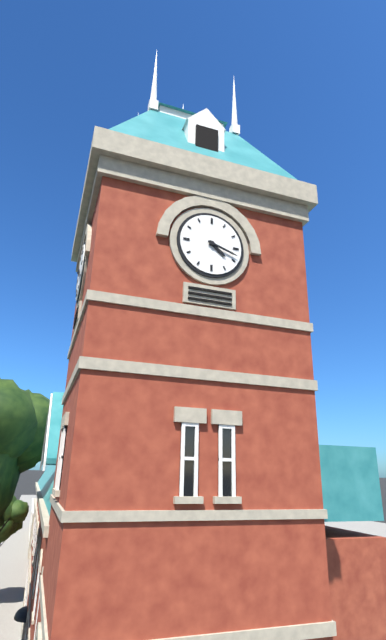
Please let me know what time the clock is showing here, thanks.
4:18
